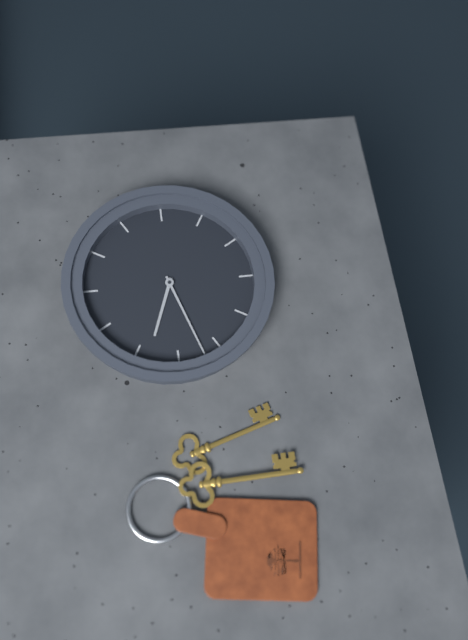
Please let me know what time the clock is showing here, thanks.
9:42
